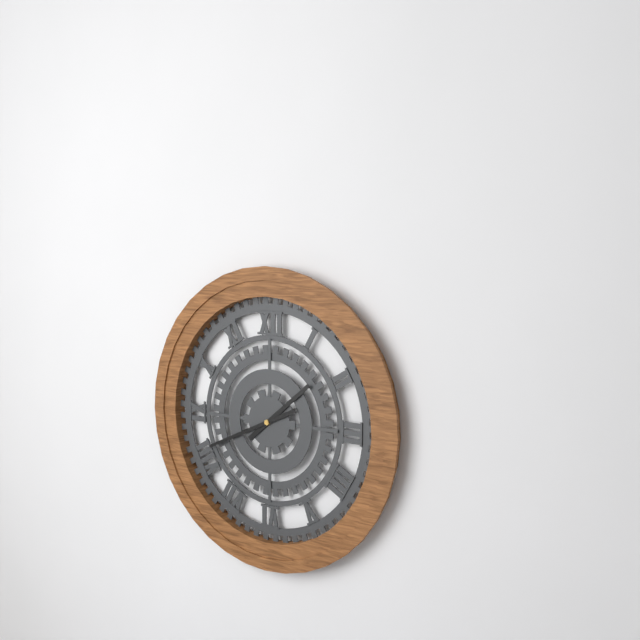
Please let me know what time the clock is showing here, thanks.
1:41
